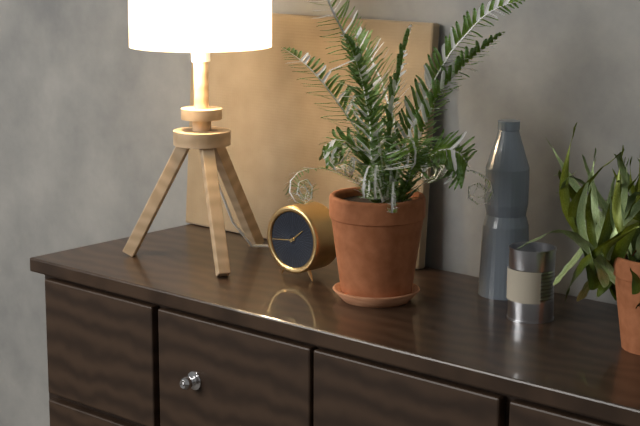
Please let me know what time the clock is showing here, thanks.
1:44
